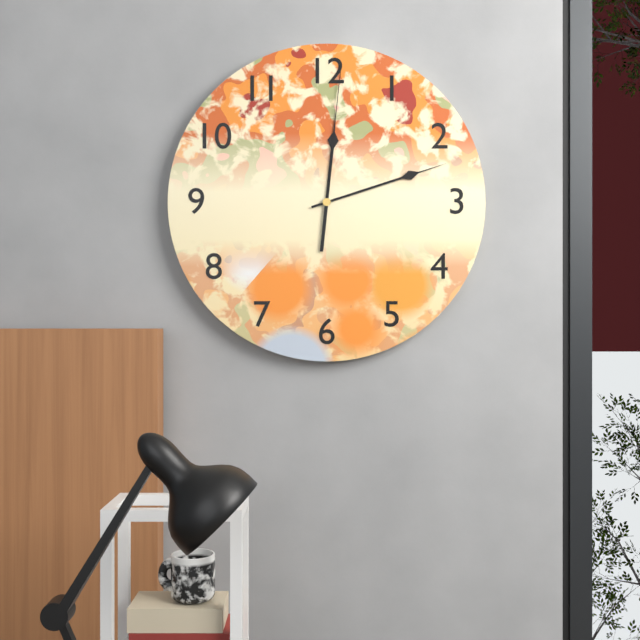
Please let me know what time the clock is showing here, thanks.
12:12:01
